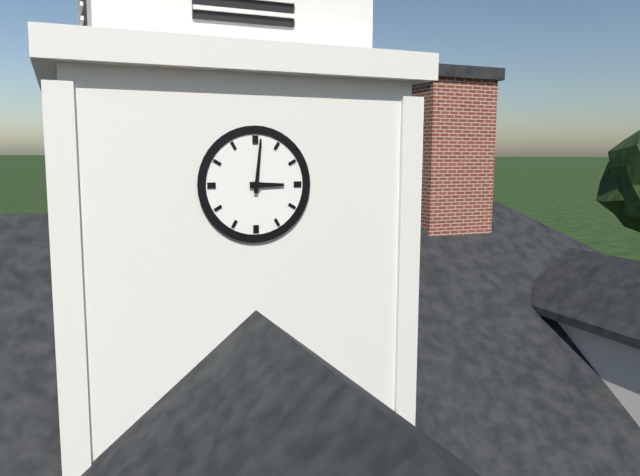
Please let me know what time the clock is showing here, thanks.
3:01
